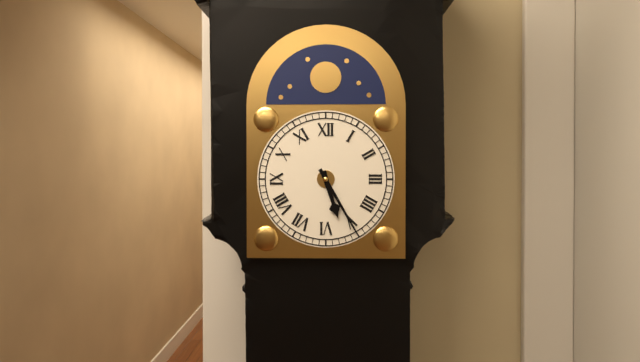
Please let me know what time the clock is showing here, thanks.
5:25
